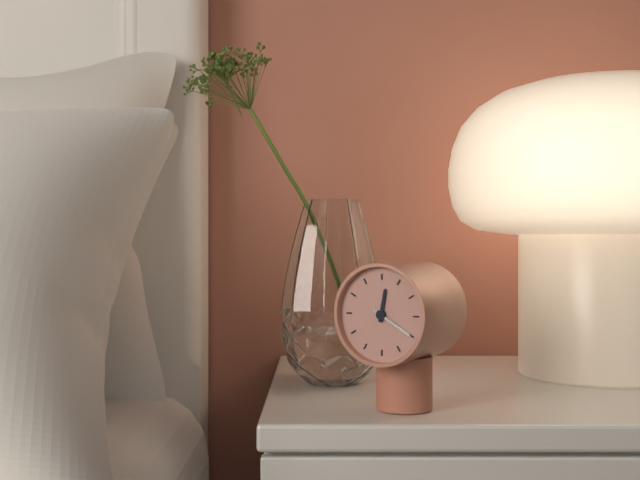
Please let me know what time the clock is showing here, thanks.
12:20
